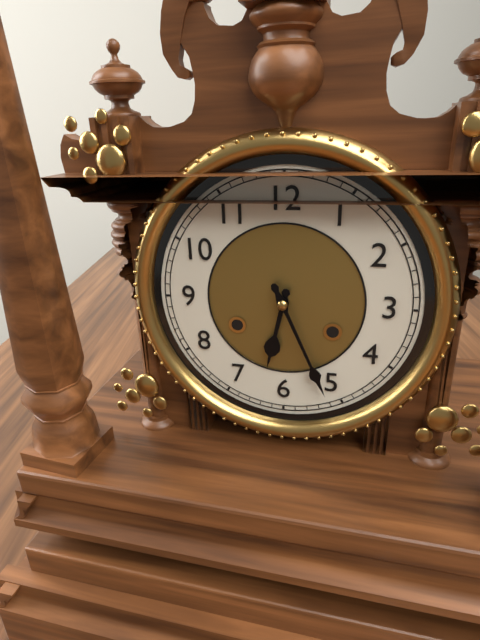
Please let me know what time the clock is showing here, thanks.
6:26
